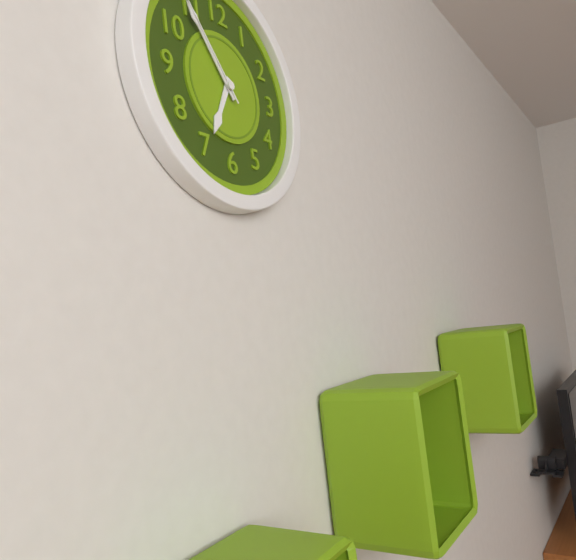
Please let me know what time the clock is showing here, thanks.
6:54
